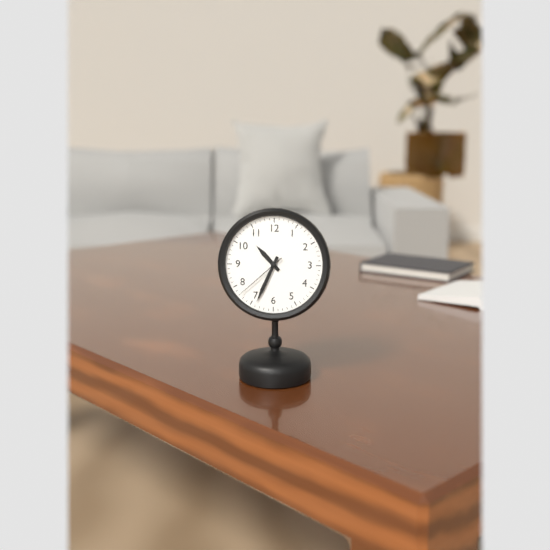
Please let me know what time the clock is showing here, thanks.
10:34:38
